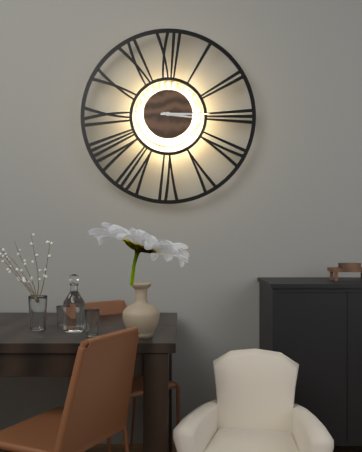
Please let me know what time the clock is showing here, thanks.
3:15
